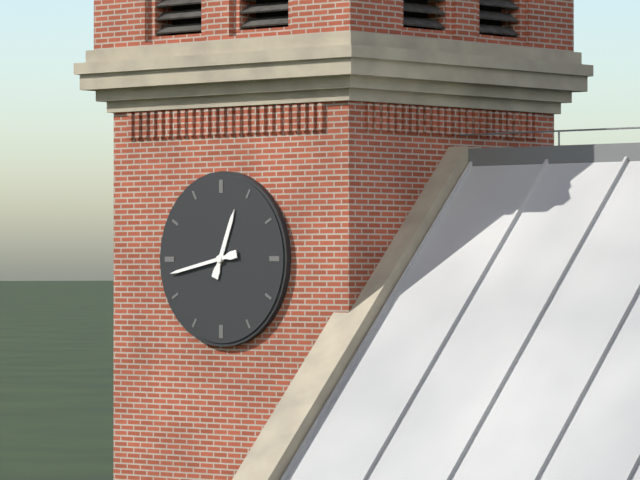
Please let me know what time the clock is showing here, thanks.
12:43
